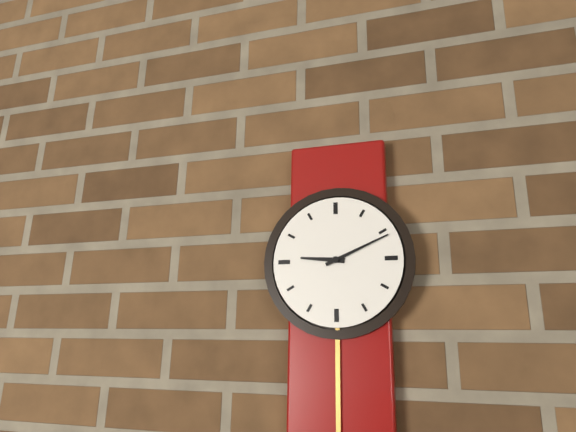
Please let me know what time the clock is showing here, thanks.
9:11
